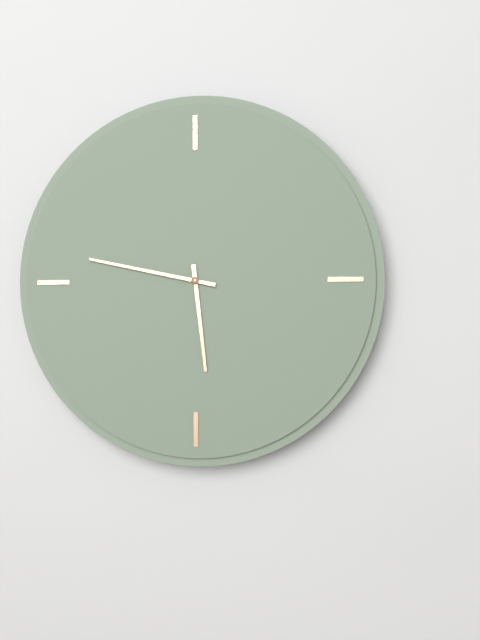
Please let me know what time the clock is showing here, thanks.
5:47
